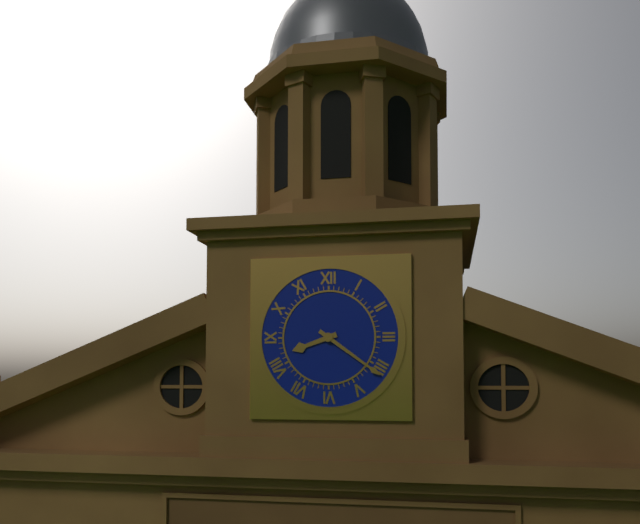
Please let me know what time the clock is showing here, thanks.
8:21
